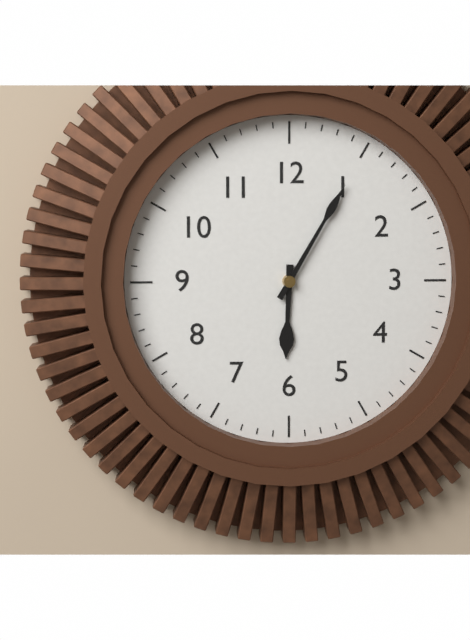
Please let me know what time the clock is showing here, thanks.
6:05
